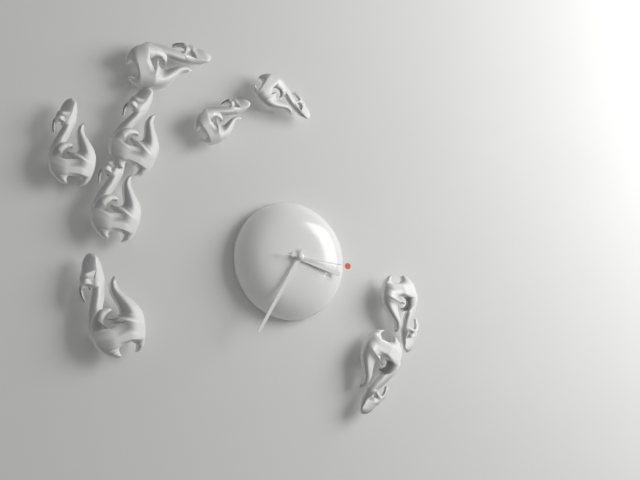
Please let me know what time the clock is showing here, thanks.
3:35:16
